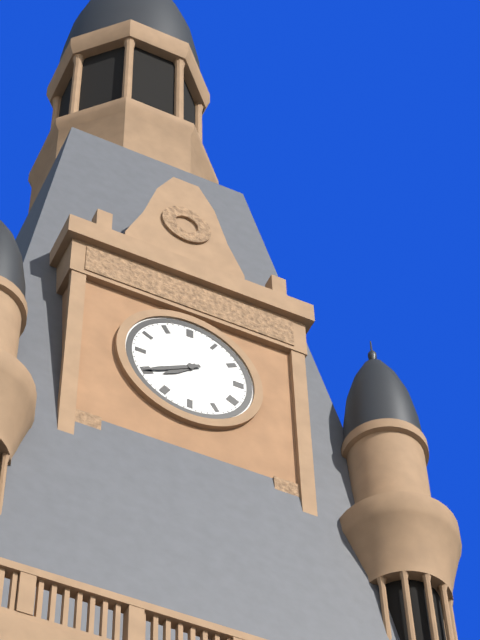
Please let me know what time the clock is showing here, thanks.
7:40
